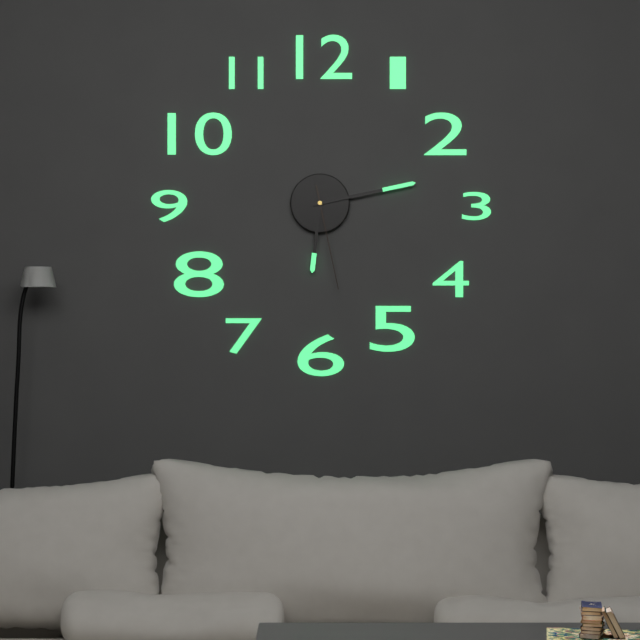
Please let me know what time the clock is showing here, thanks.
6:13:28
